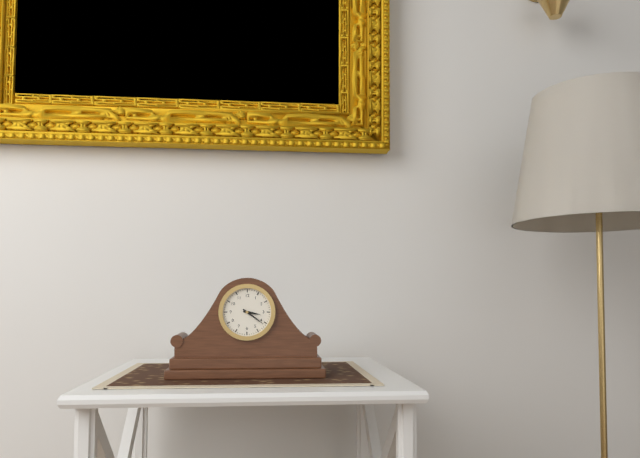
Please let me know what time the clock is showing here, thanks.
3:21
